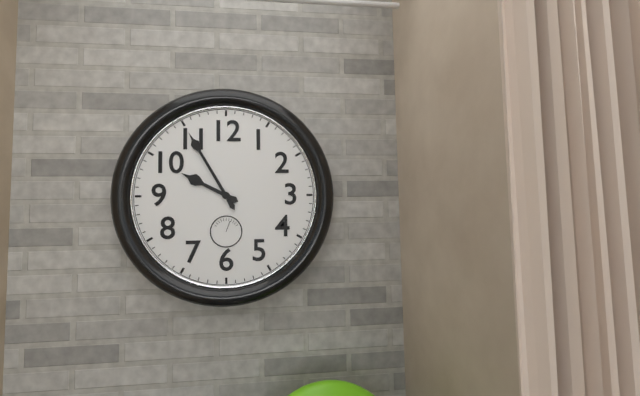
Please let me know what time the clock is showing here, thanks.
9:55
